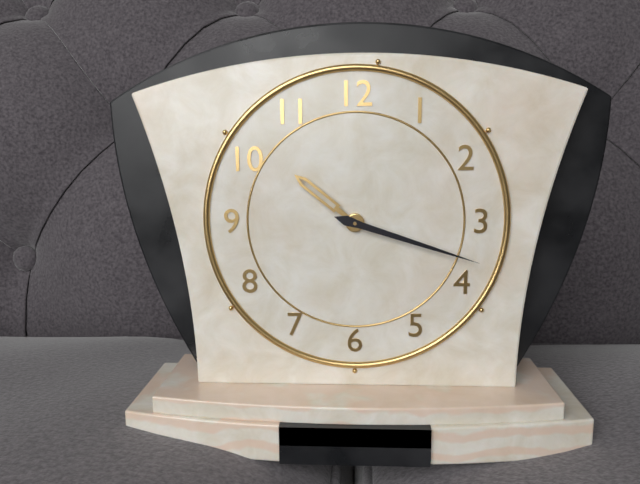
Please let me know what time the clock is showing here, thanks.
10:18
